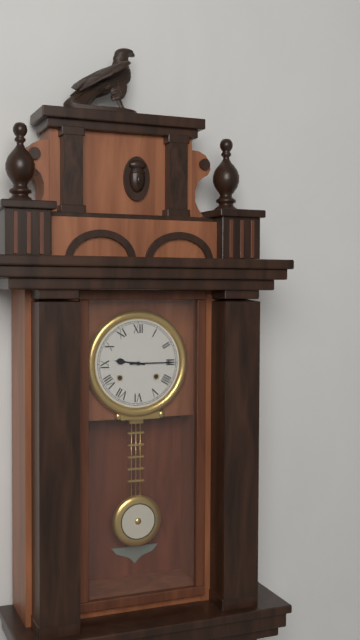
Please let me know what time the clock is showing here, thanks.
9:15
